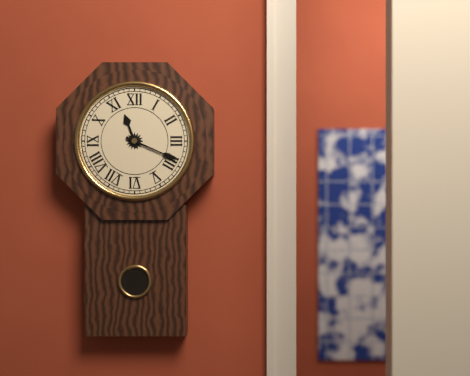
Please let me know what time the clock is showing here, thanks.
11:19
